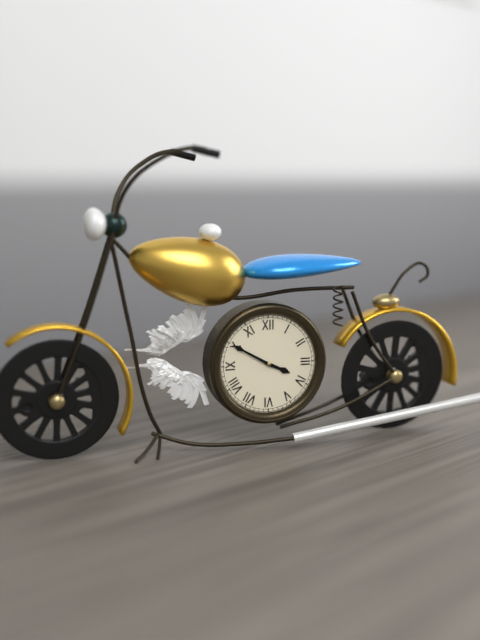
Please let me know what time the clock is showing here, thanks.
3:50
